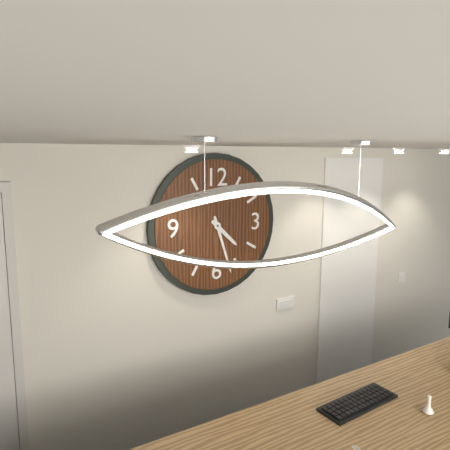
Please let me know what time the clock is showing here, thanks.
4:27
